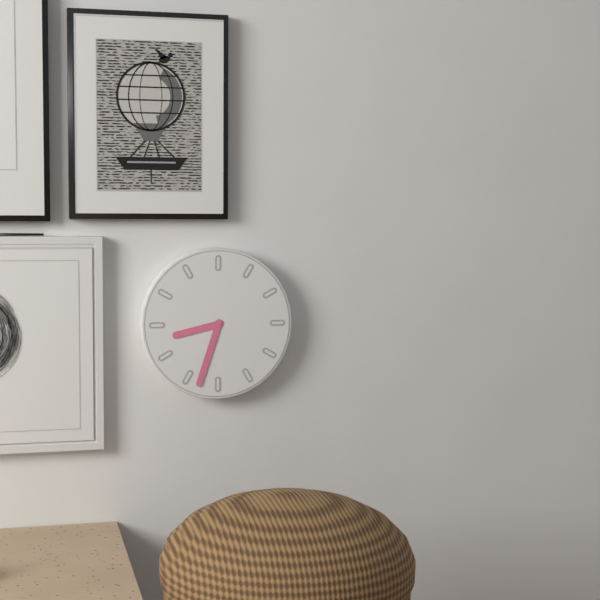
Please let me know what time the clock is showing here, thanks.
8:33
